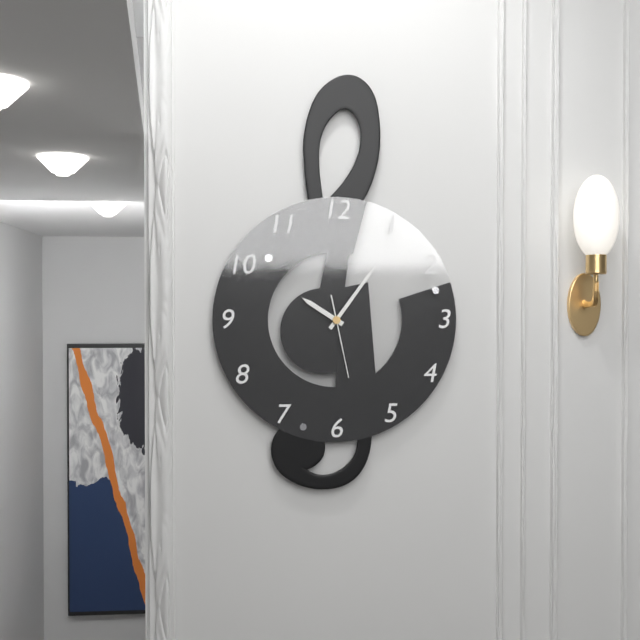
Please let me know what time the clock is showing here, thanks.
10:06:28
